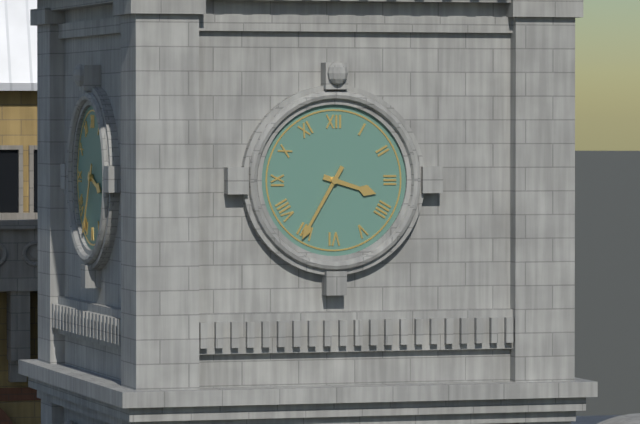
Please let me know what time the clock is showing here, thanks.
3:35
